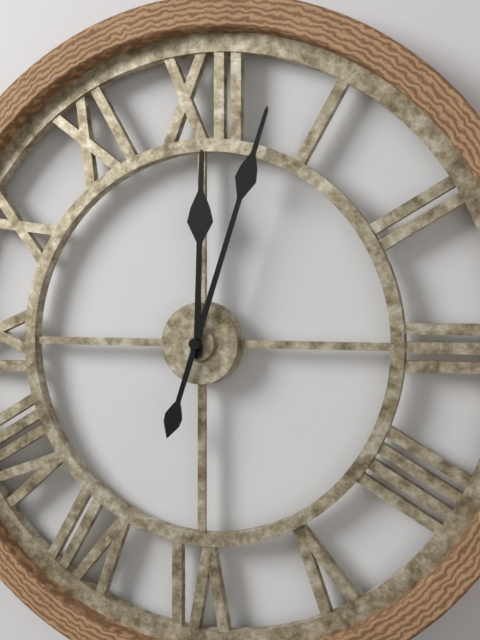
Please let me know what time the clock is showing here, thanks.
12:03
